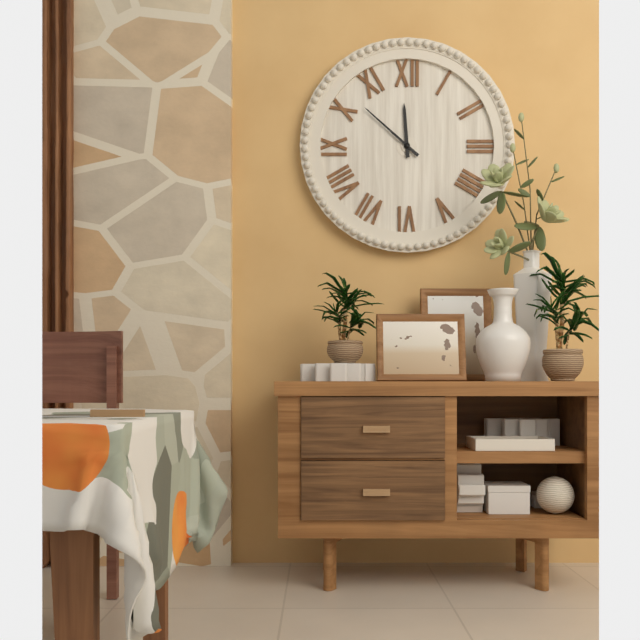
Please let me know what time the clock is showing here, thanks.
11:52
